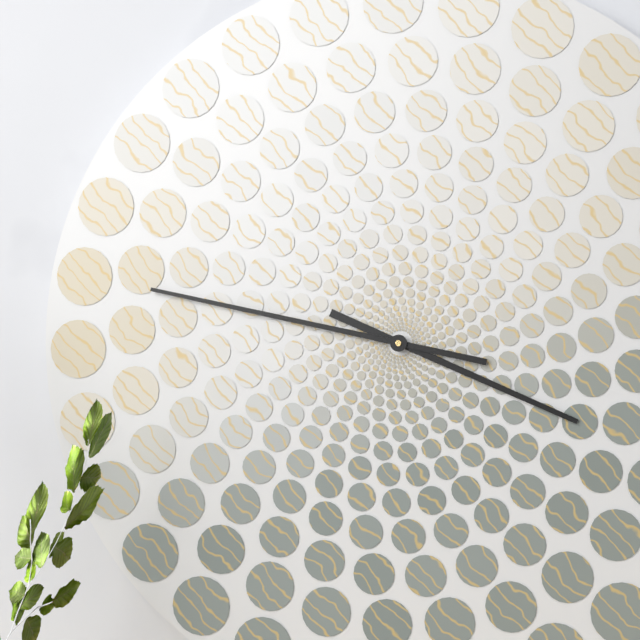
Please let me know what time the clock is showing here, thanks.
3:47
